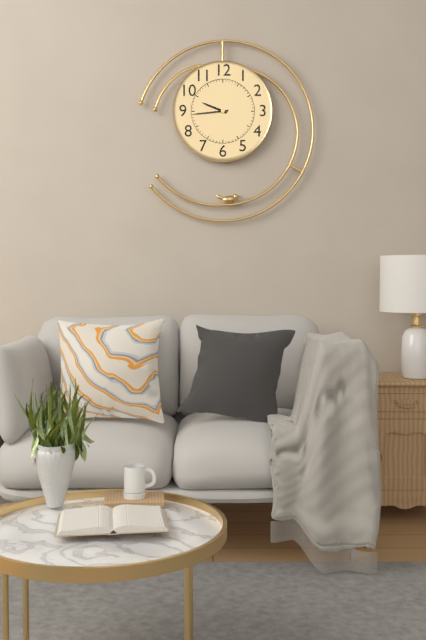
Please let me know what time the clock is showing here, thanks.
9:44
